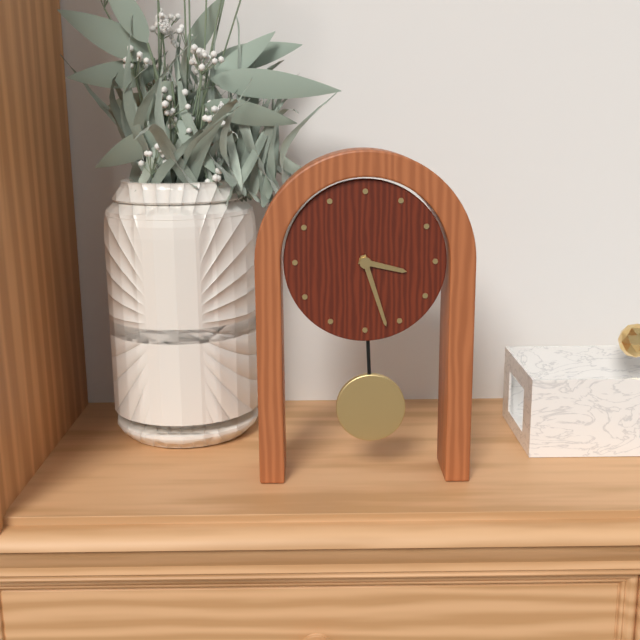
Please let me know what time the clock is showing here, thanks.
3:27
